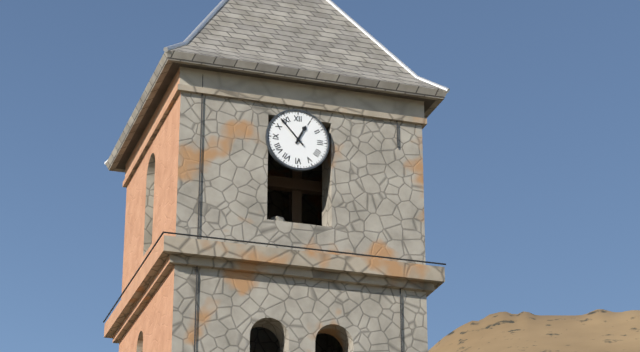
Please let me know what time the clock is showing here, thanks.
12:53
